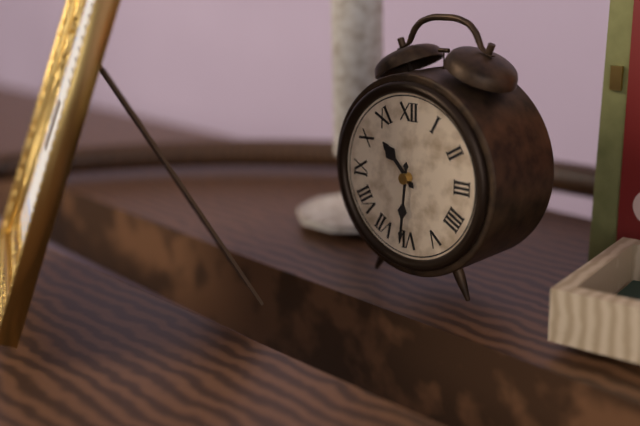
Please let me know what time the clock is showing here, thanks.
10:31
